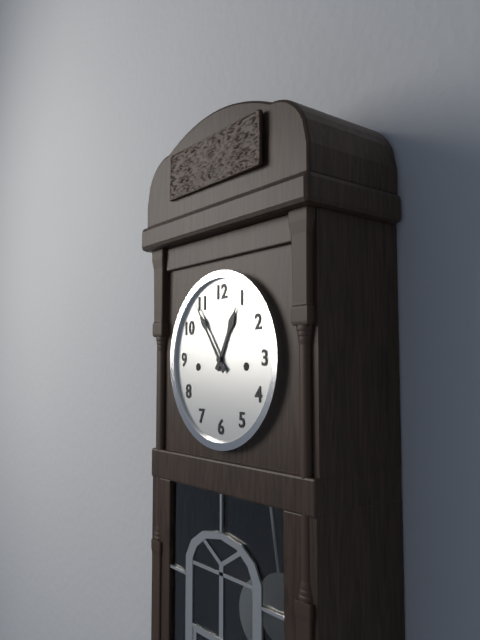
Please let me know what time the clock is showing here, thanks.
12:54
